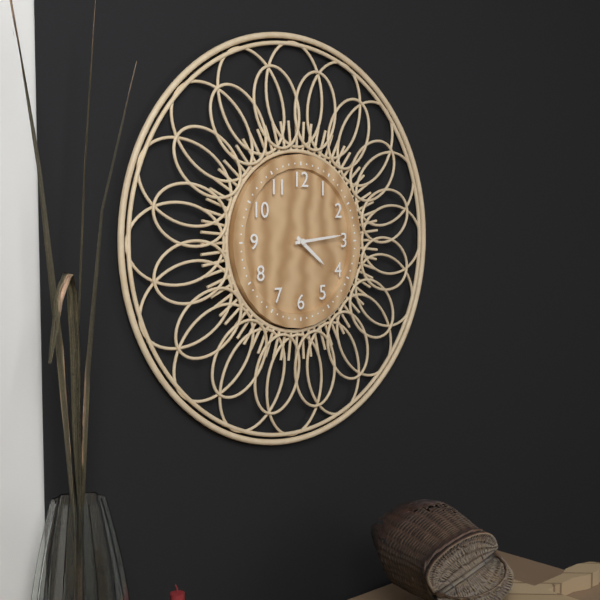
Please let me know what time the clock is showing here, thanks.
4:14
